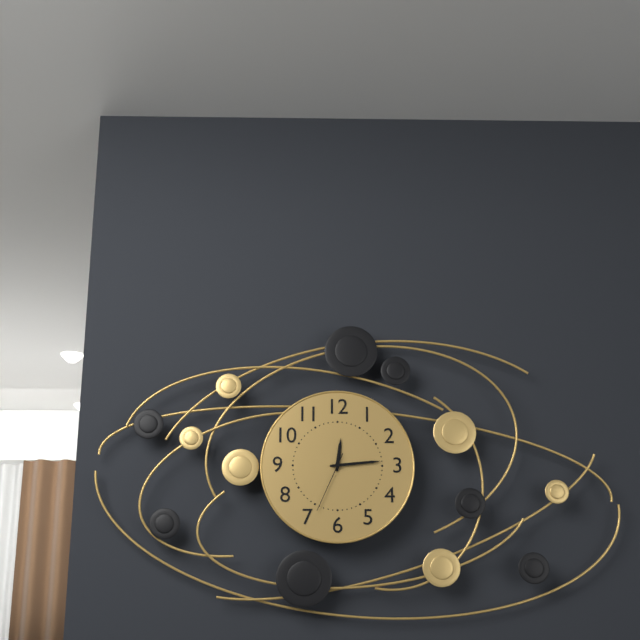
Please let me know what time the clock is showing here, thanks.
12:14:34
